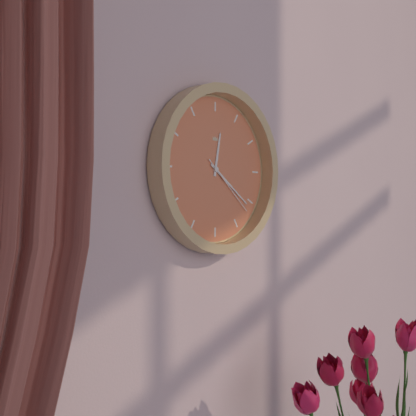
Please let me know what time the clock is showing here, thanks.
12:21:22
